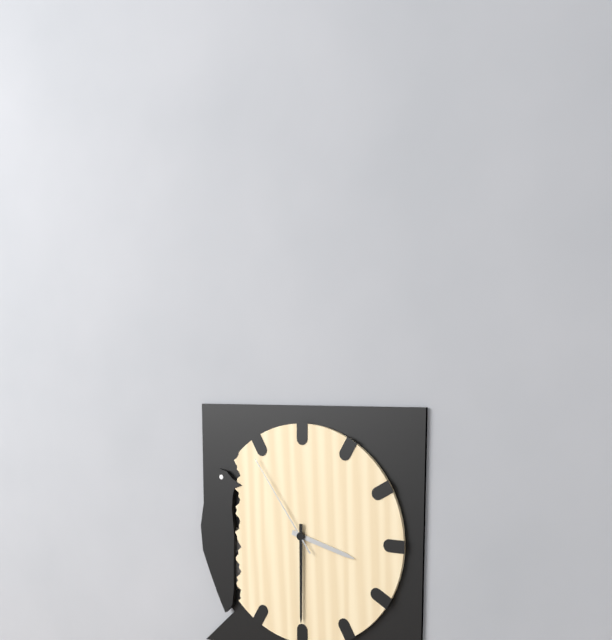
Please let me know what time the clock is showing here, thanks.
3:30:54
